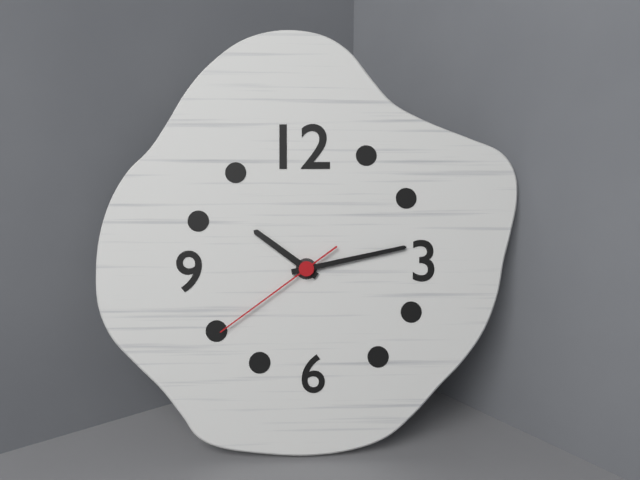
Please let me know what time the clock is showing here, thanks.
10:13:39
